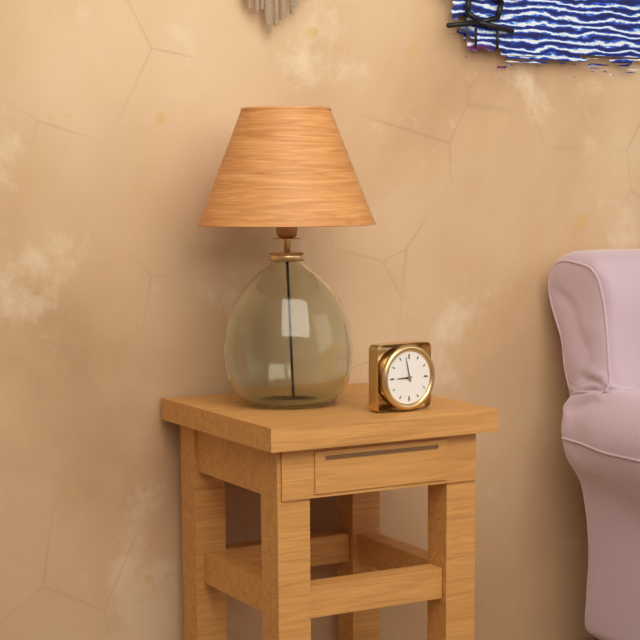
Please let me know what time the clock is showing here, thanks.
8:58
